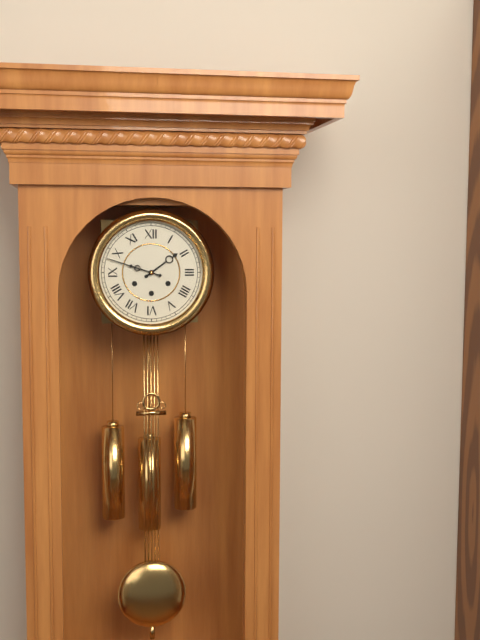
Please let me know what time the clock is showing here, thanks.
1:48
